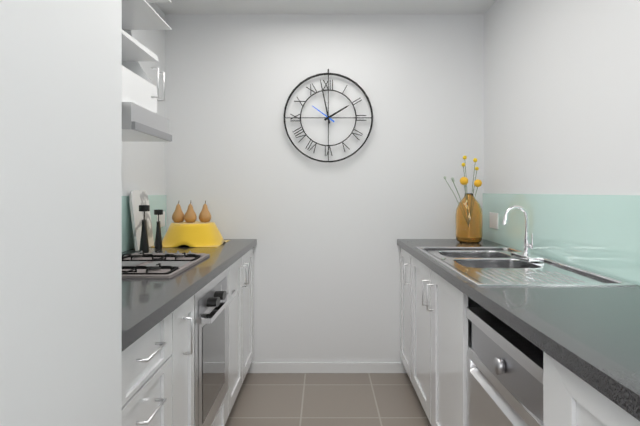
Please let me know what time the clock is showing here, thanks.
1:58
